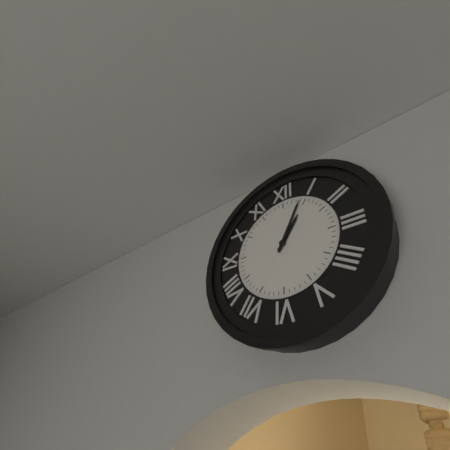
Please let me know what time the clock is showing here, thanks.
1:04
